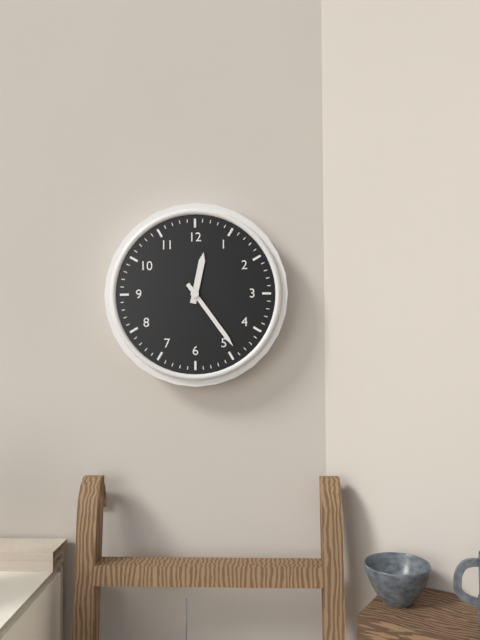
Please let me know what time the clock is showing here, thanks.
12:24
